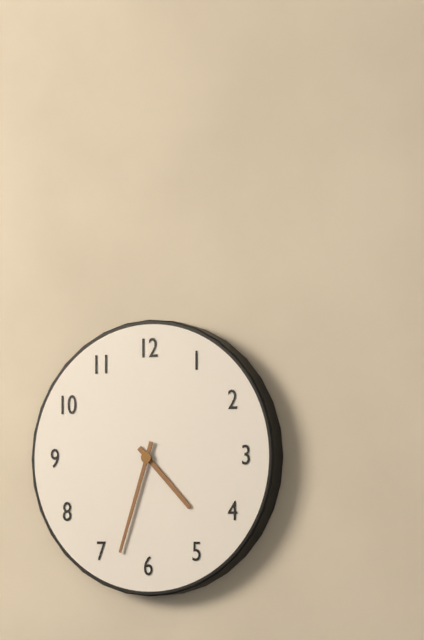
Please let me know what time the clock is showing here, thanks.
4:33
